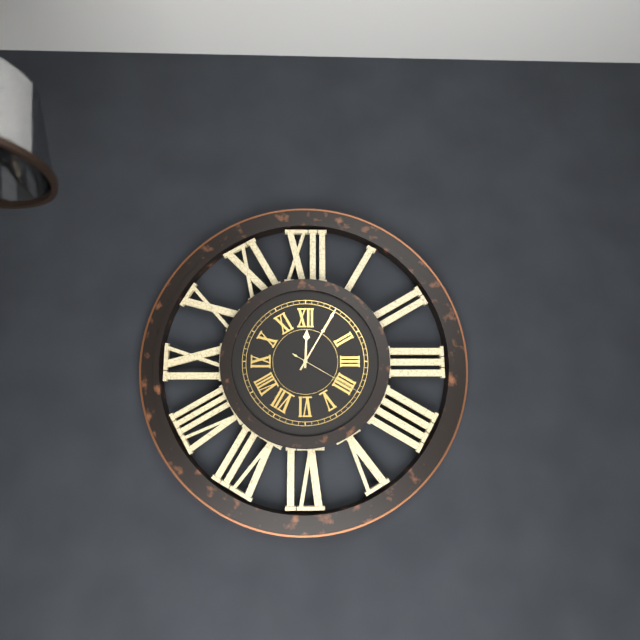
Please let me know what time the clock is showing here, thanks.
12:05:20
